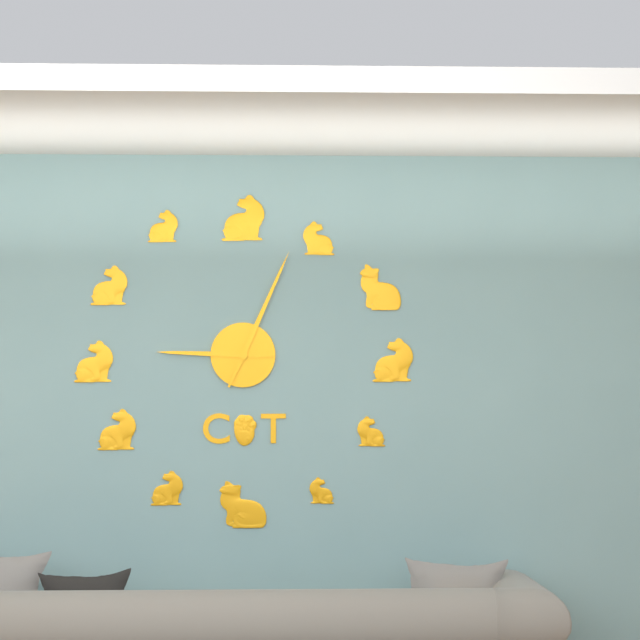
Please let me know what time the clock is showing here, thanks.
9:04
